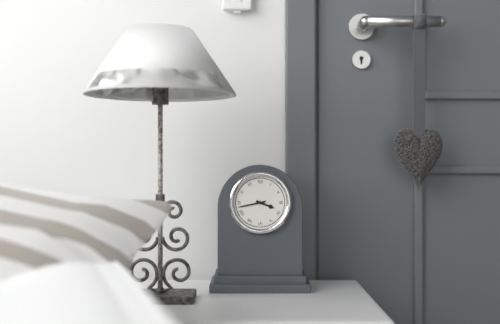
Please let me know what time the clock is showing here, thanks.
3:43
